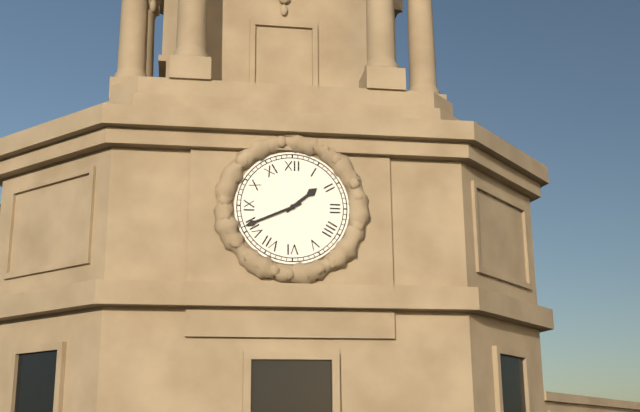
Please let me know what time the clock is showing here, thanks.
1:41
